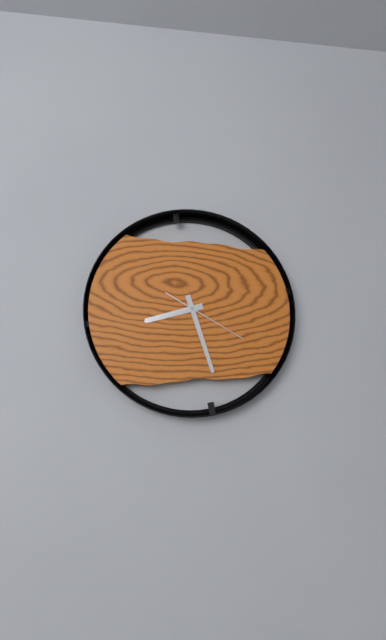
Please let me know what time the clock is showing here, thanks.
8:27:20
